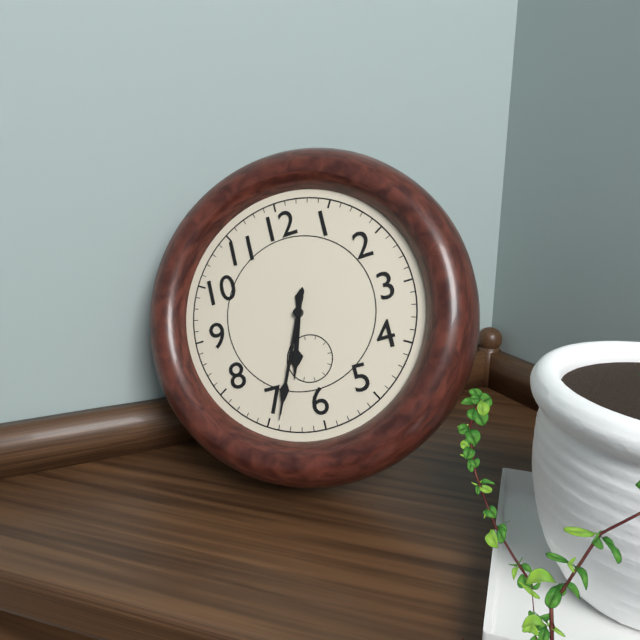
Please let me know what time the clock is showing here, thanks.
6:34
